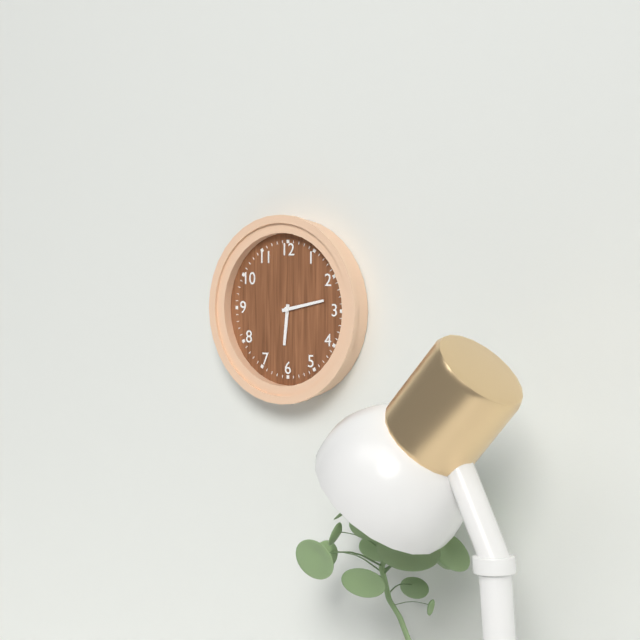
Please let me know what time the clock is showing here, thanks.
6:13
